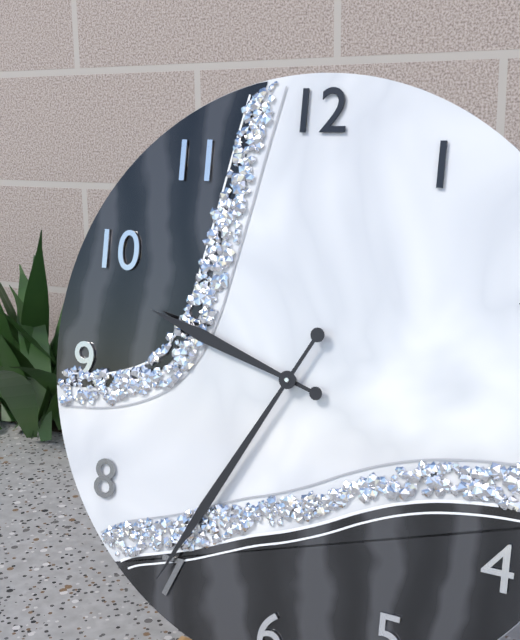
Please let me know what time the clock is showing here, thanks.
9:35
